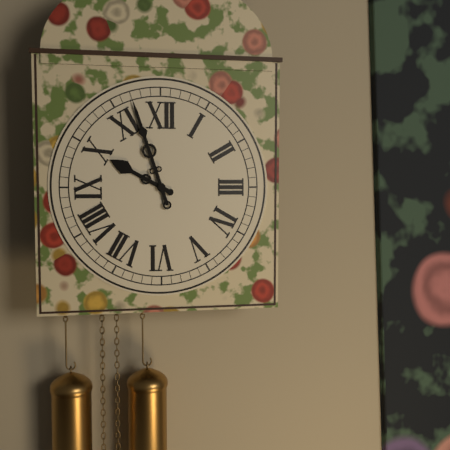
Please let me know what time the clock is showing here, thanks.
9:57
